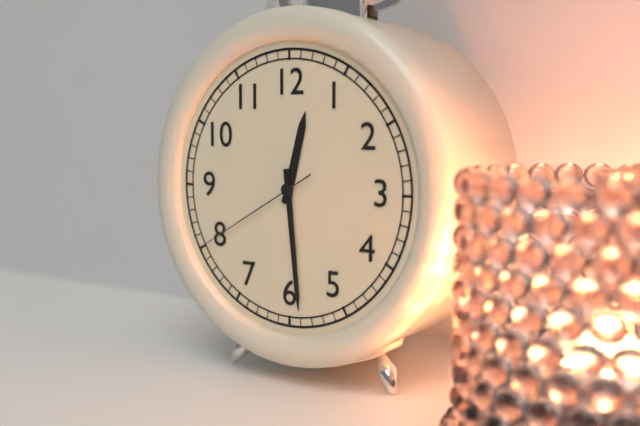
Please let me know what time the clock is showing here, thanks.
12:29:40
